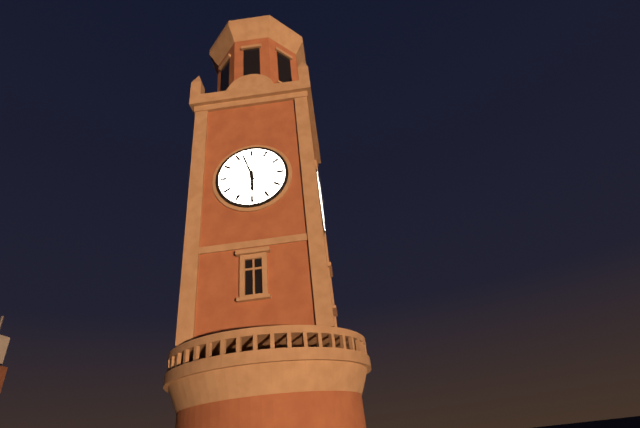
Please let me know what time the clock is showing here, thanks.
5:57
